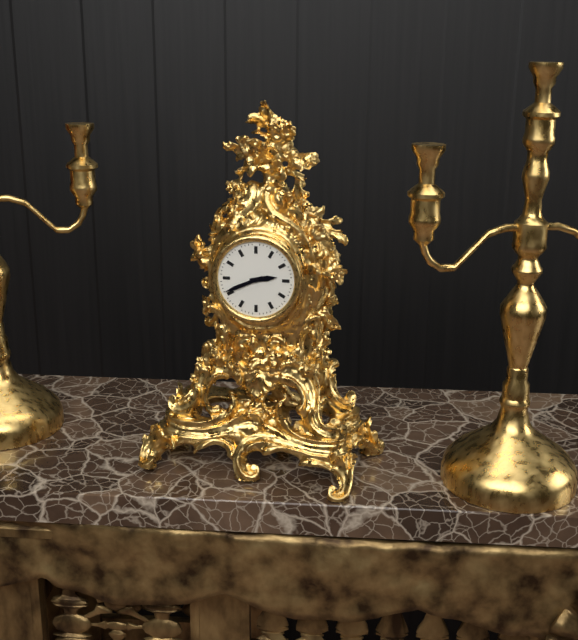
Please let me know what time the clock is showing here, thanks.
2:41
